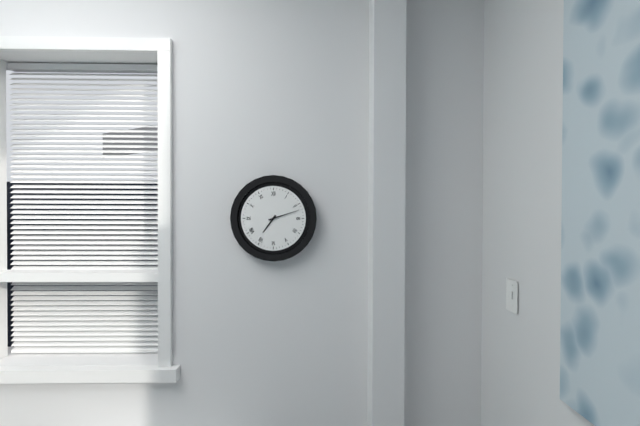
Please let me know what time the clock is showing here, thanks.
7:12
